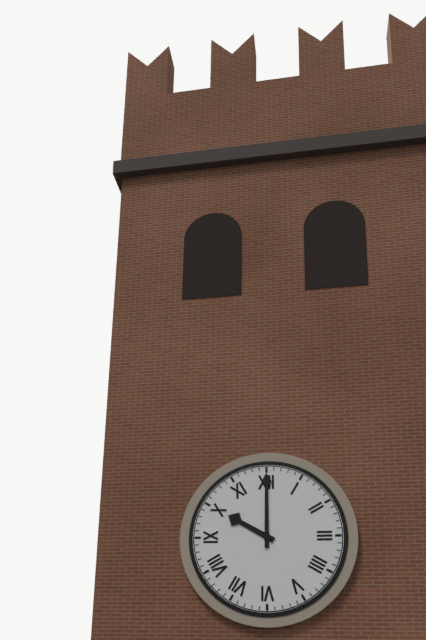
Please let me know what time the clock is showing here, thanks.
10:00
